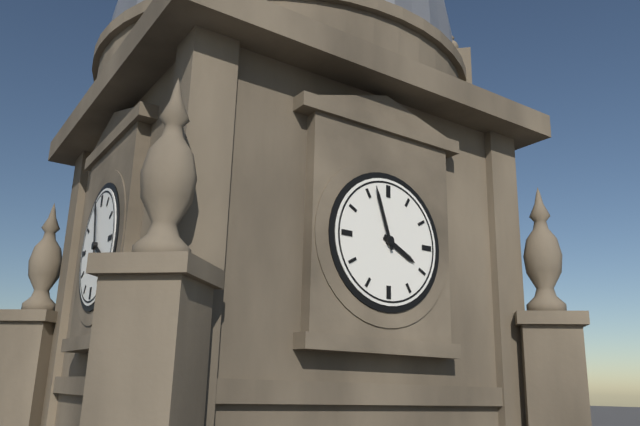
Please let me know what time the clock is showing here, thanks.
3:57
